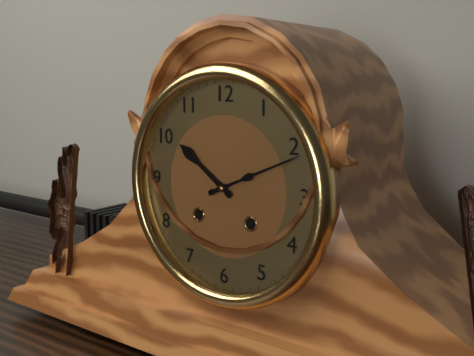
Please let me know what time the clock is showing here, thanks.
10:11
